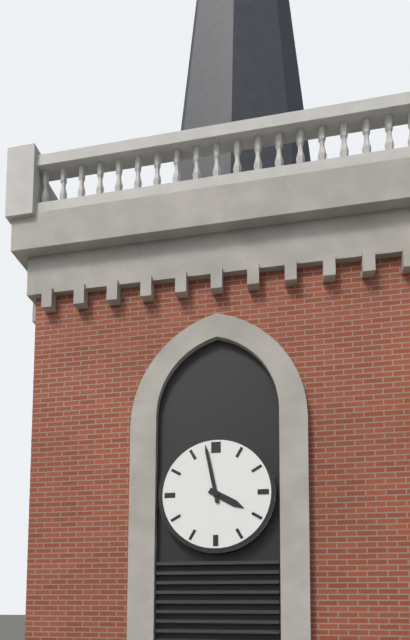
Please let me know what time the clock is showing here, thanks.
3:58
